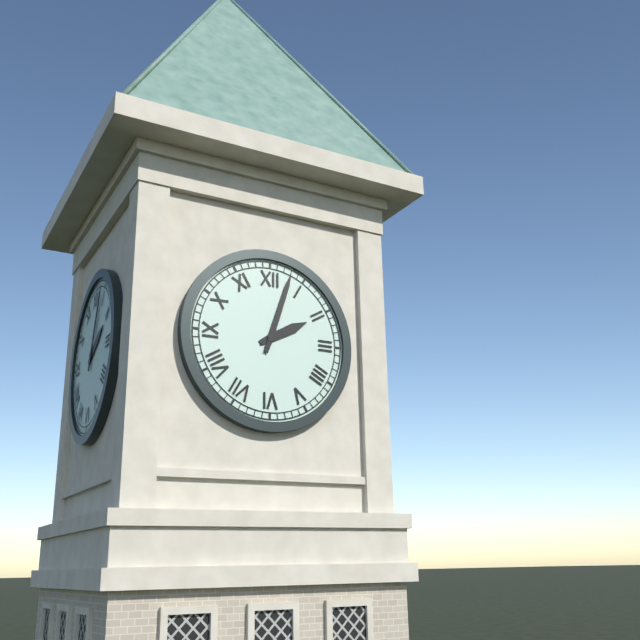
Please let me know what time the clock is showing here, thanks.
2:03
